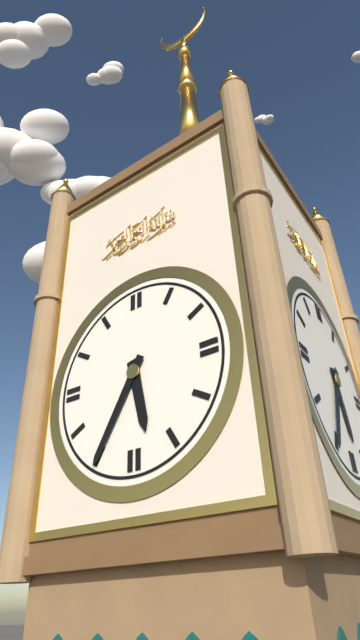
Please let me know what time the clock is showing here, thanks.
5:35
